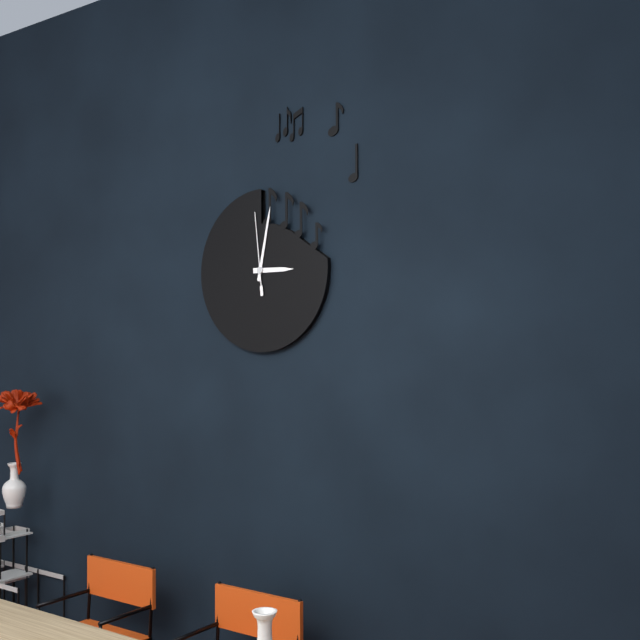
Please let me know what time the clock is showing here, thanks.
3:02:59
